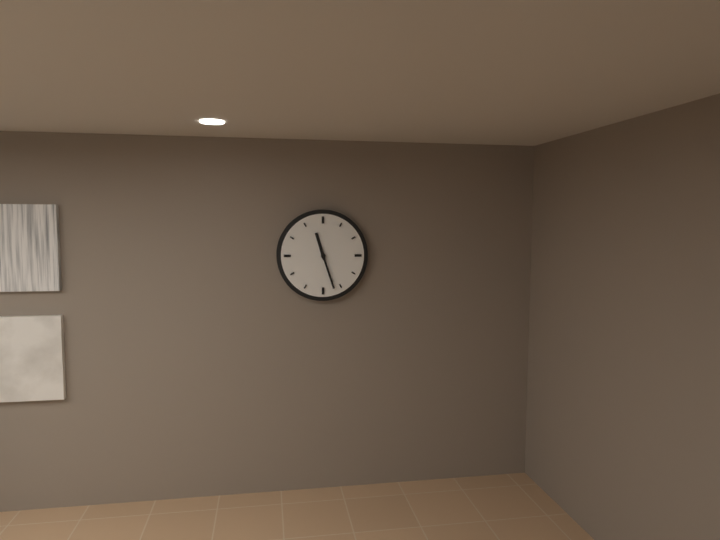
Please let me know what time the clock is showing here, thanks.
11:27
